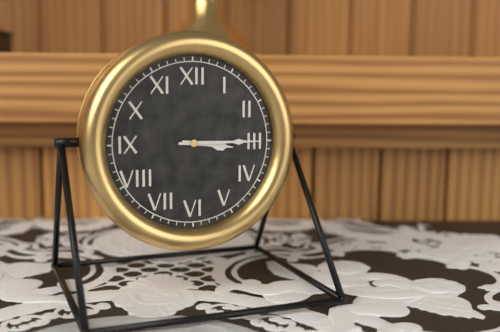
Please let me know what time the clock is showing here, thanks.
3:15
